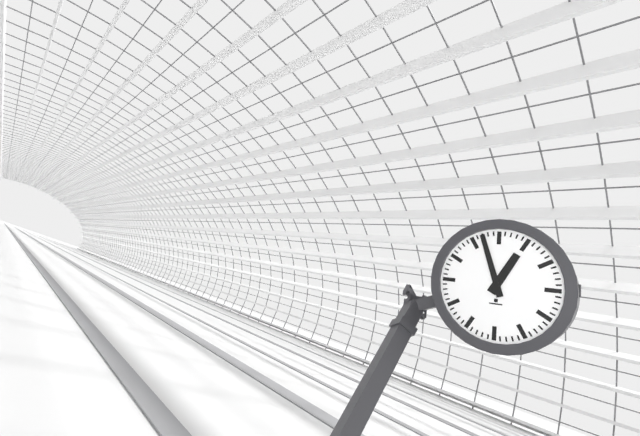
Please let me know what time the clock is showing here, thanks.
12:57
